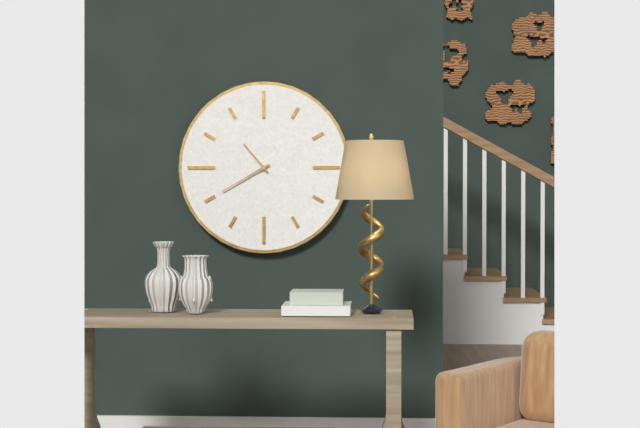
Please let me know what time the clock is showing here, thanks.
10:40
